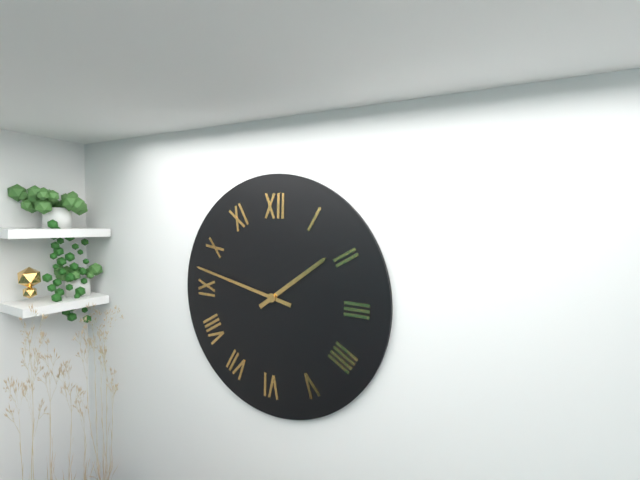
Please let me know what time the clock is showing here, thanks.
1:47
